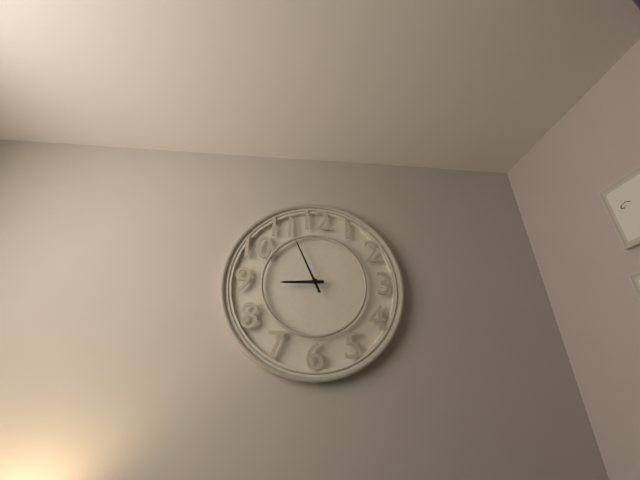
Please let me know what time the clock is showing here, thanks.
8:56
